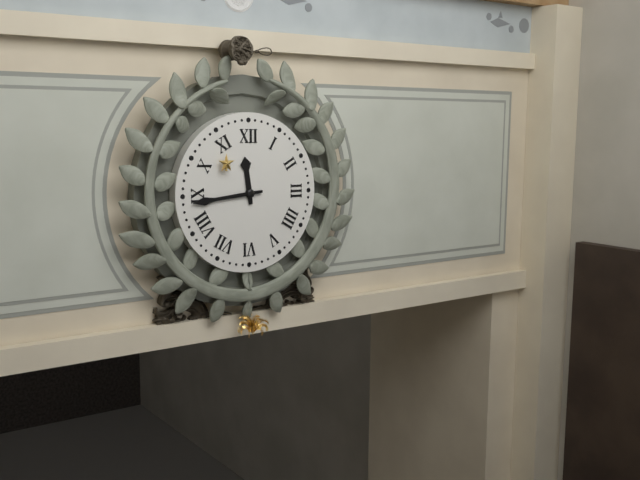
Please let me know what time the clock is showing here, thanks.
11:44
